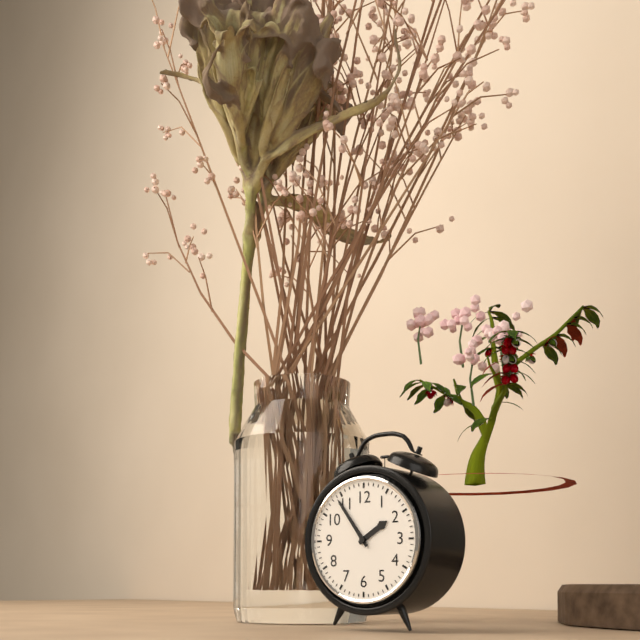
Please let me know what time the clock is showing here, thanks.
1:54
